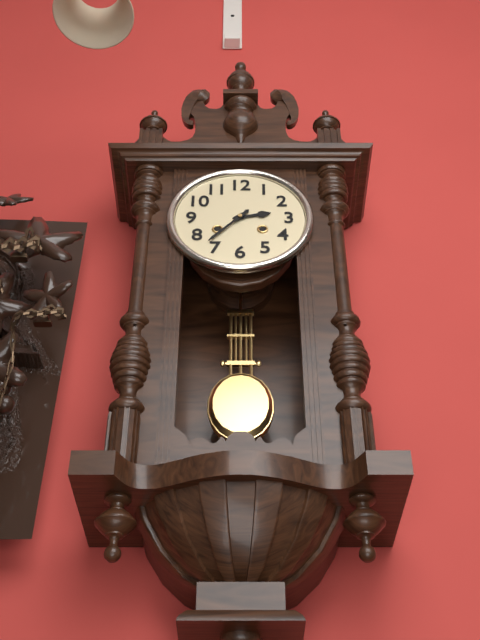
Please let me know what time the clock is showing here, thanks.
2:37
